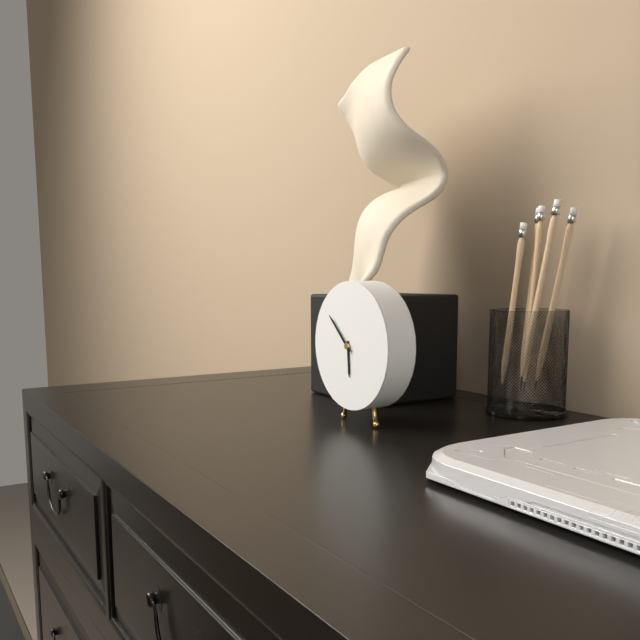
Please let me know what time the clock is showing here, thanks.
5:52
